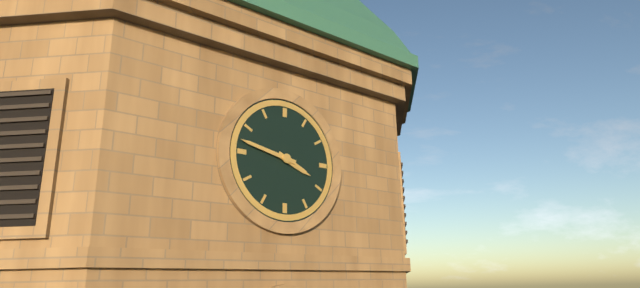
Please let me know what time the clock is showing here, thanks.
3:47
